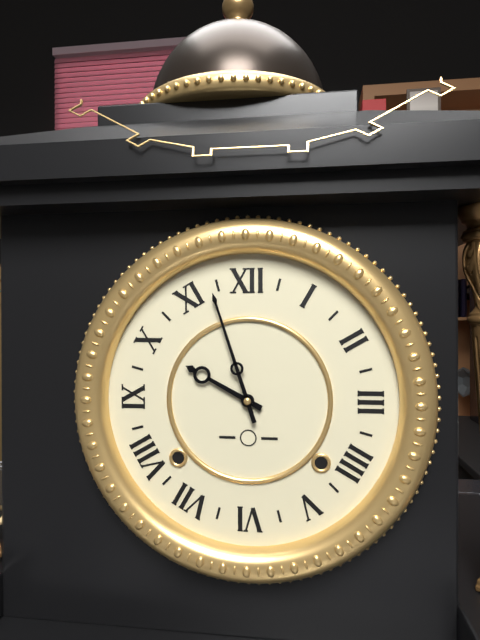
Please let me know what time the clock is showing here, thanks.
9:57
